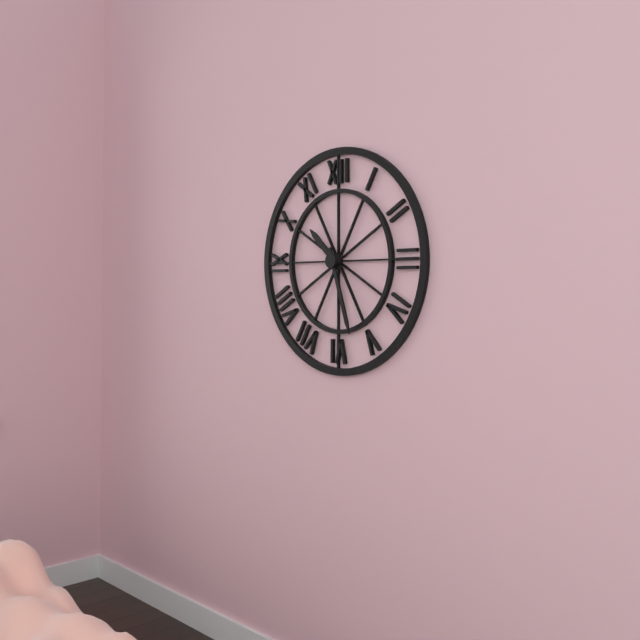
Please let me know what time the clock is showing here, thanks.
10:27
